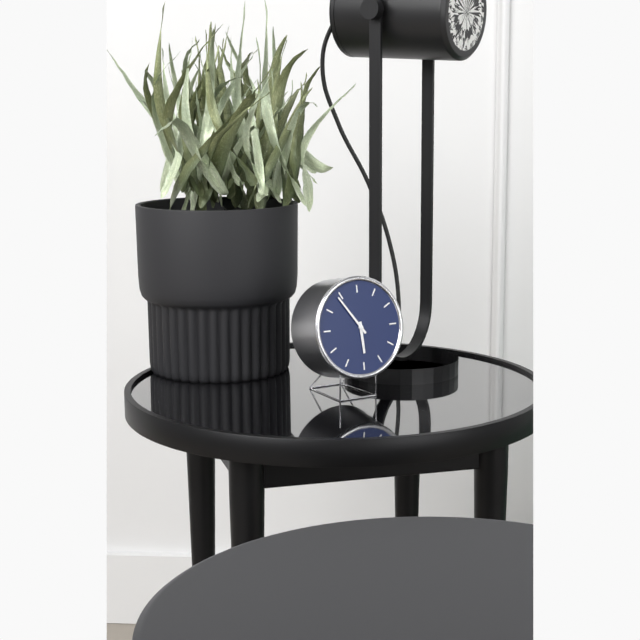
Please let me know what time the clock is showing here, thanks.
5:54
